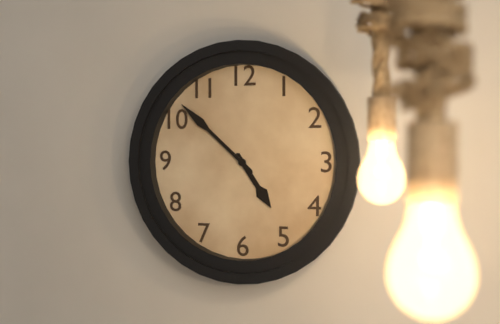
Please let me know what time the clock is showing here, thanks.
4:52
